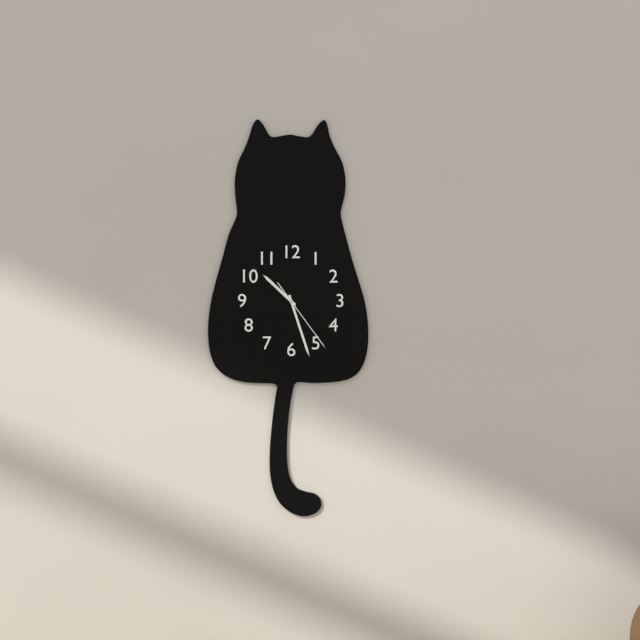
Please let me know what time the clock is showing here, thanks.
10:27:24
